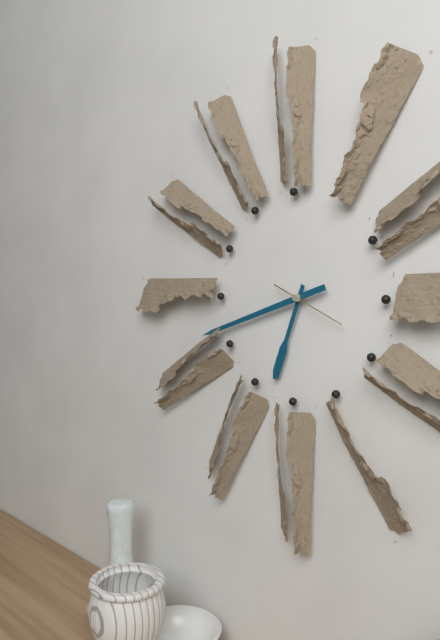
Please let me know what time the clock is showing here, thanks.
6:42:19
